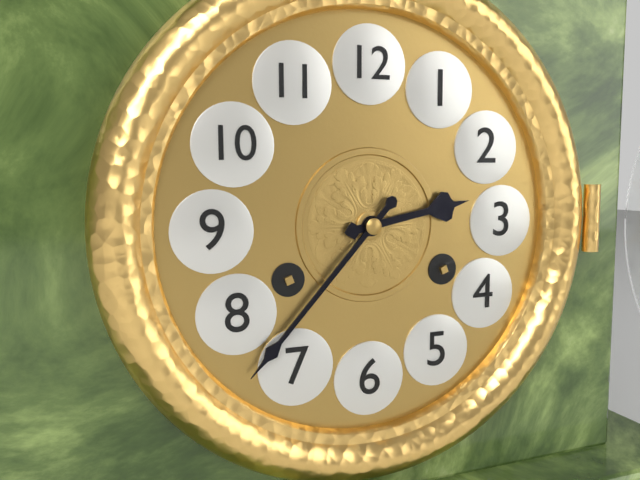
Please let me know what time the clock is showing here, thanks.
2:37
